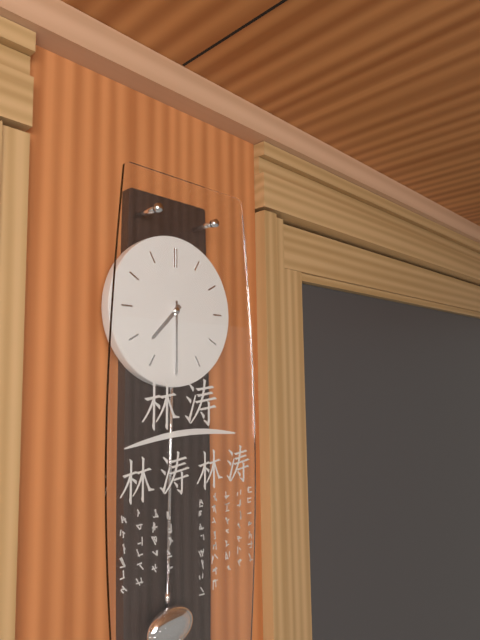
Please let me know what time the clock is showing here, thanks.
7:30
